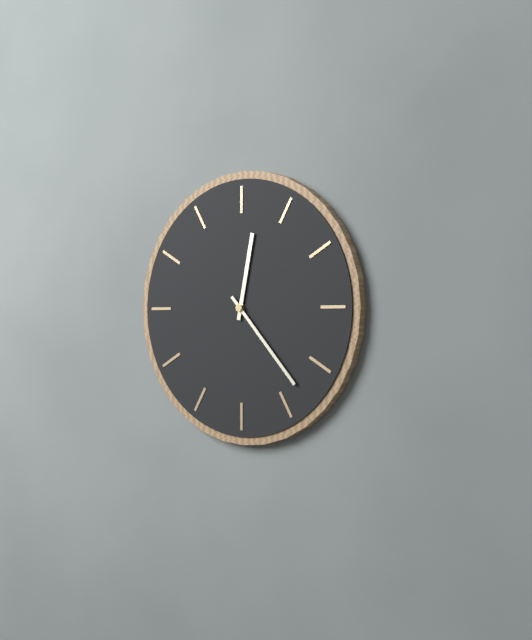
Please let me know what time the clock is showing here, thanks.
12:23
